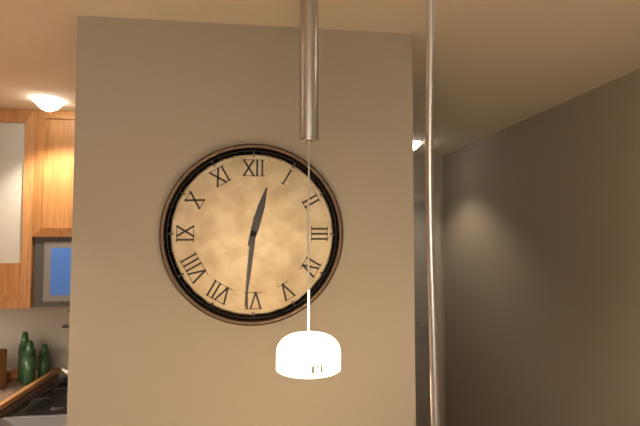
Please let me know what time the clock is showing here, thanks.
12:31
